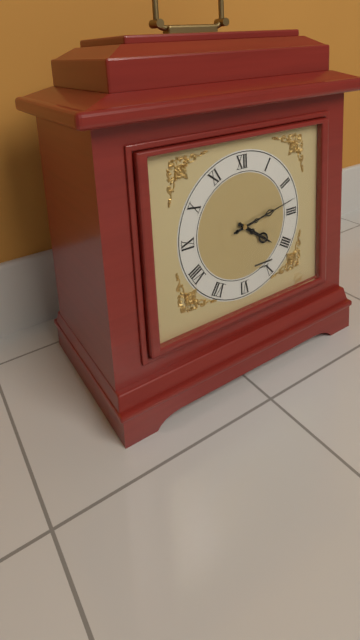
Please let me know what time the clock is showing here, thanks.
4:13
